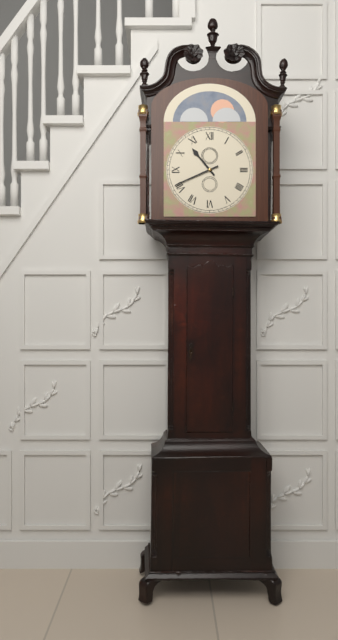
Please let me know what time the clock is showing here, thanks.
10:41
